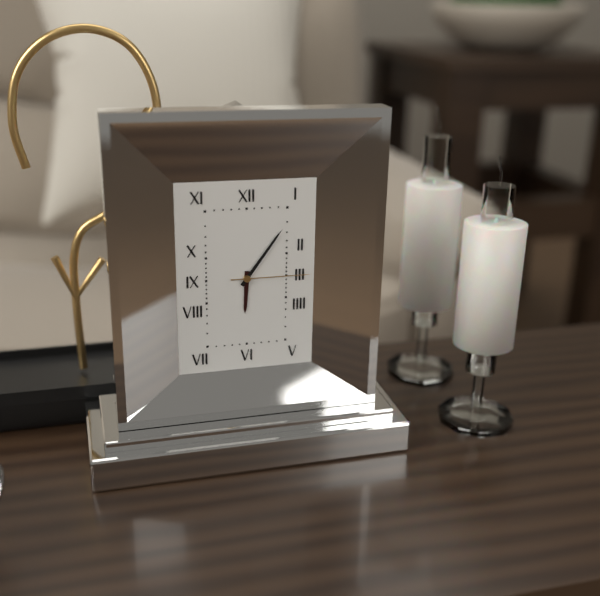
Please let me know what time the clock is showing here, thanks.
6:06:15
